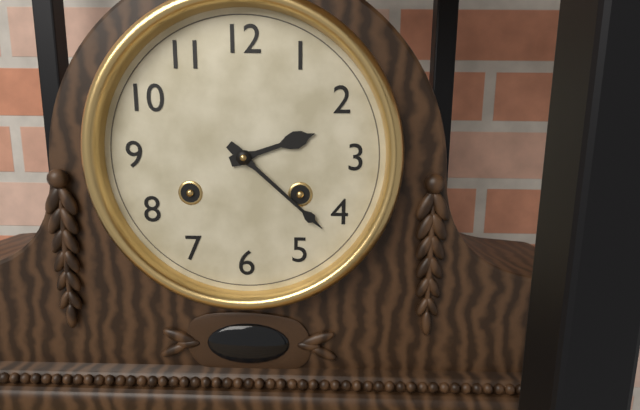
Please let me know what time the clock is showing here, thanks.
2:22
